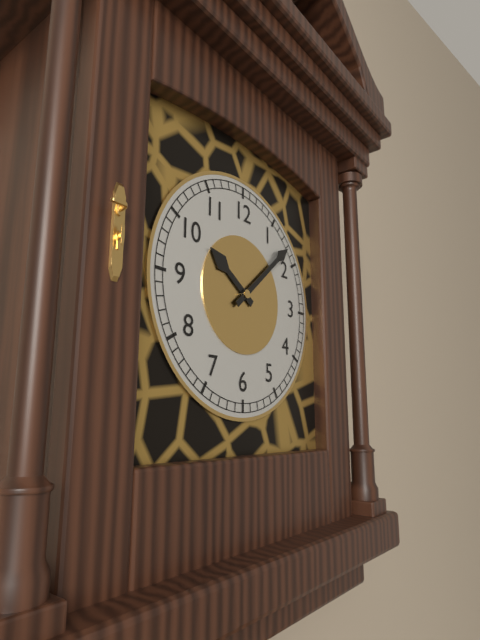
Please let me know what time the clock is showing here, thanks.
10:08
